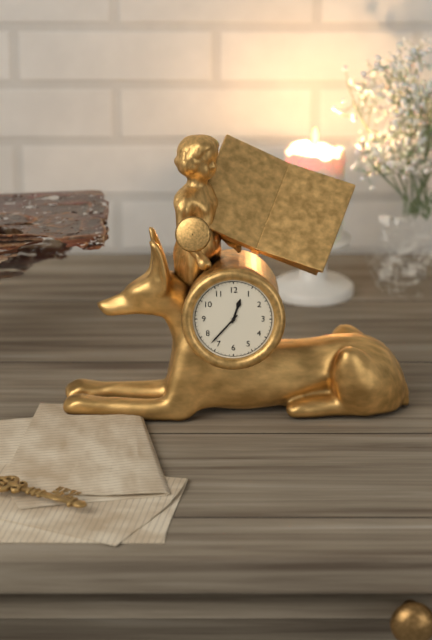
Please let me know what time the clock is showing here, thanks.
12:37
